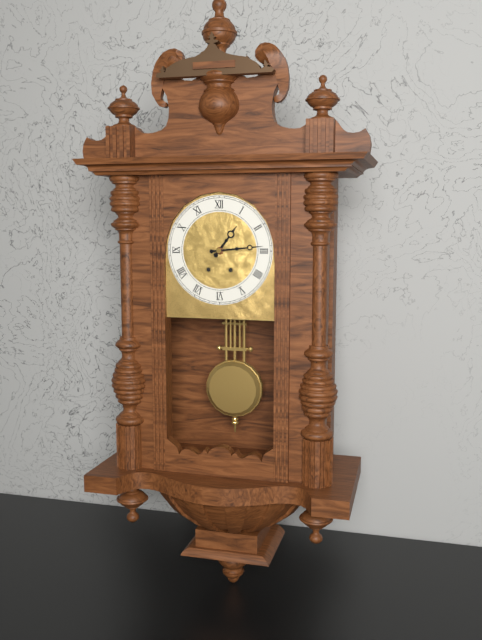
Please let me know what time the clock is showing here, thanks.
1:14
